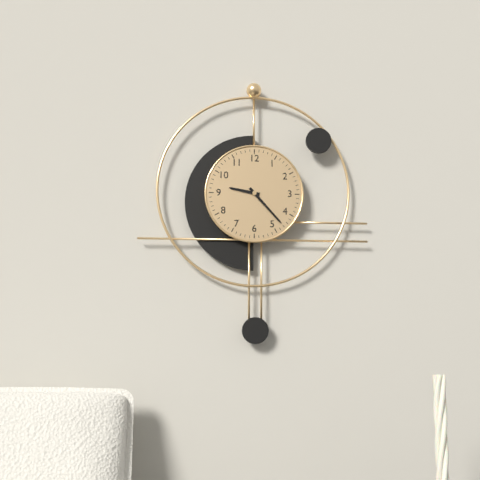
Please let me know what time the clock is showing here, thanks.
9:23
